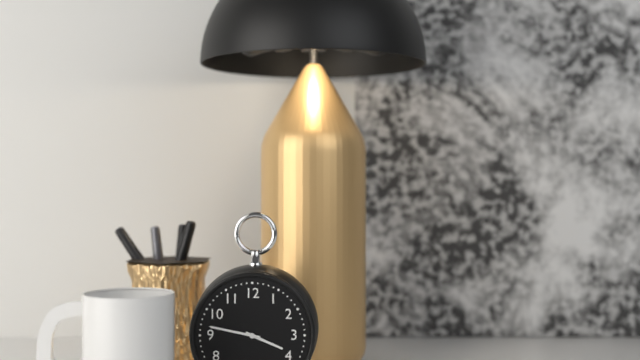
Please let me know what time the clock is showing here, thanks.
3:47
